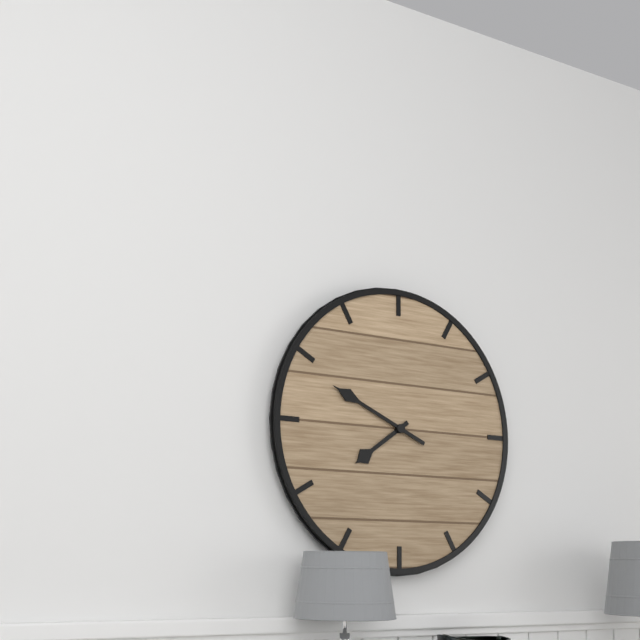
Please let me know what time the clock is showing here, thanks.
7:49
